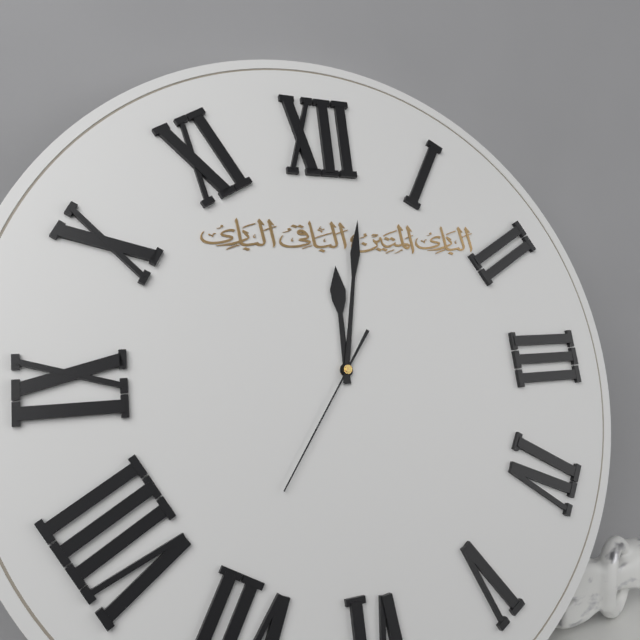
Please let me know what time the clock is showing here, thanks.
12:02:36
